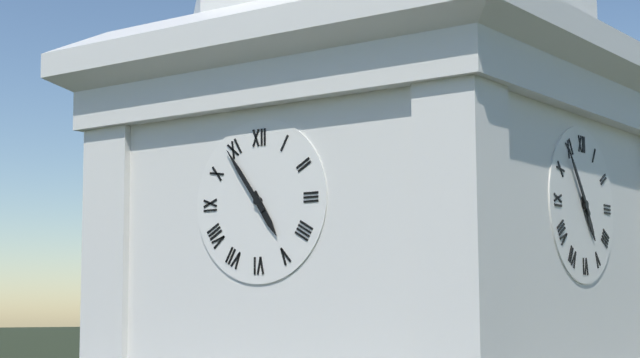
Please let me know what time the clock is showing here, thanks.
4:54
